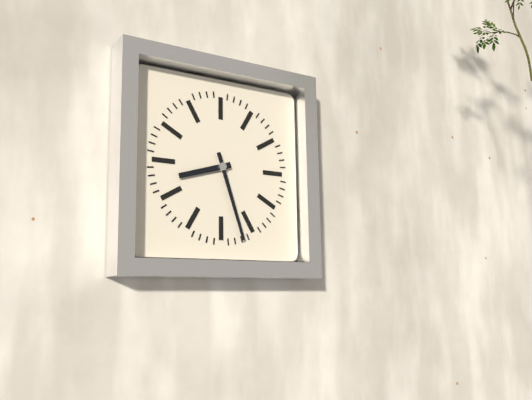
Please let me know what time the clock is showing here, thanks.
8:27
